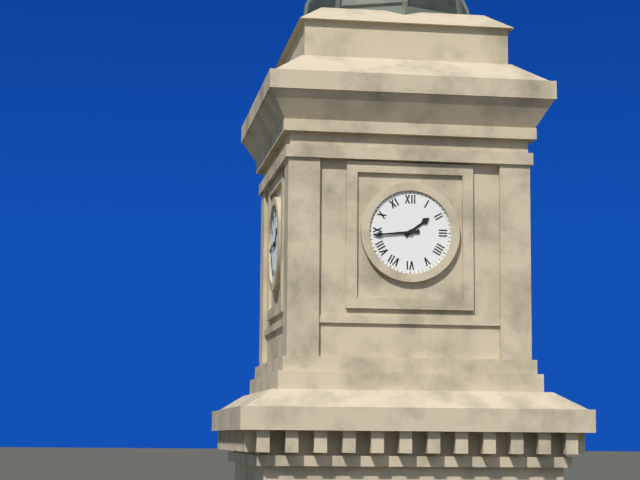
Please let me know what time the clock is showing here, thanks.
1:44
